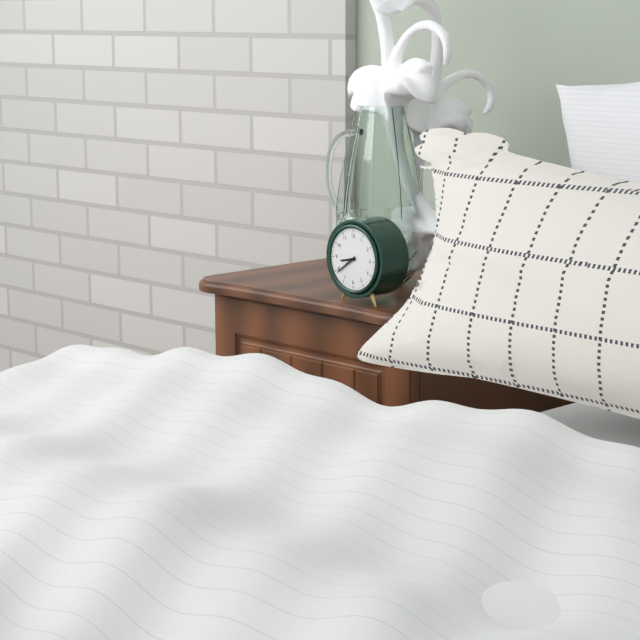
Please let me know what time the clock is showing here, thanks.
8:39
